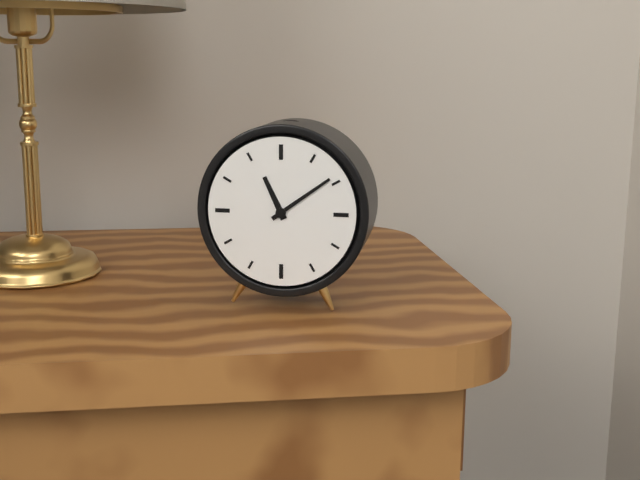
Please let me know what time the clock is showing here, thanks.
11:09
